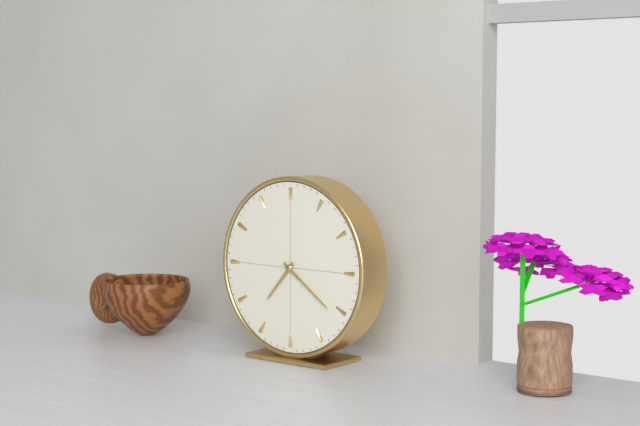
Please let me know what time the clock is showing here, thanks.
7:21
